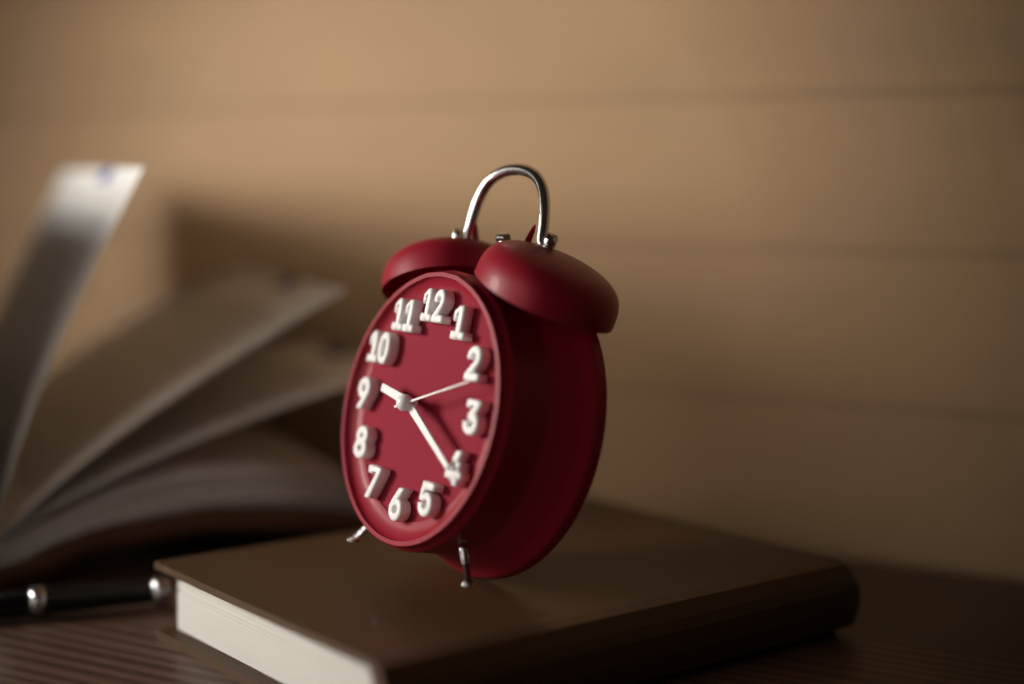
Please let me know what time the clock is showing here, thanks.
9:20:12
